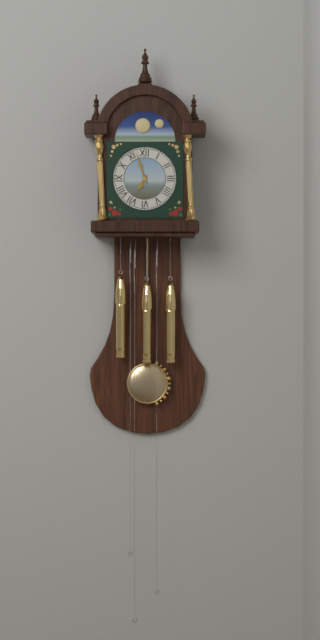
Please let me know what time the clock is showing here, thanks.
6:57
